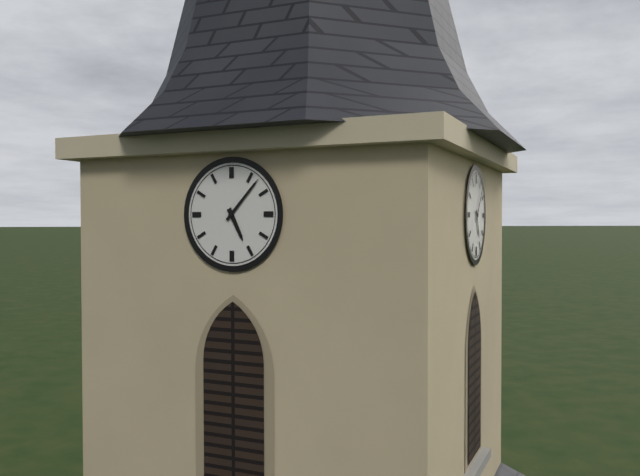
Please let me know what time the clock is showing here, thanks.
5:07
